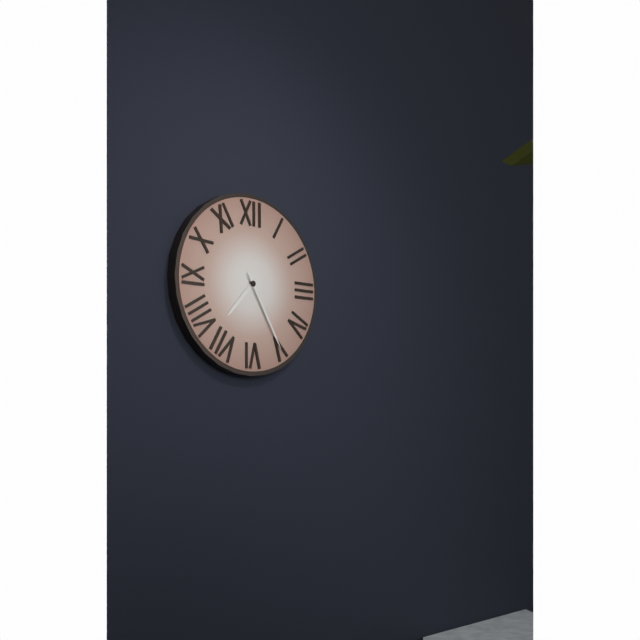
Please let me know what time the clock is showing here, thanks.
7:25
